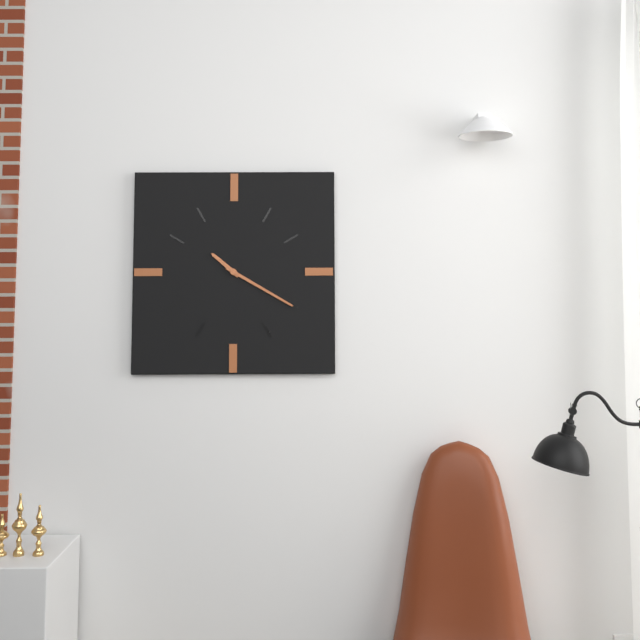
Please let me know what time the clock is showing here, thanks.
10:20
